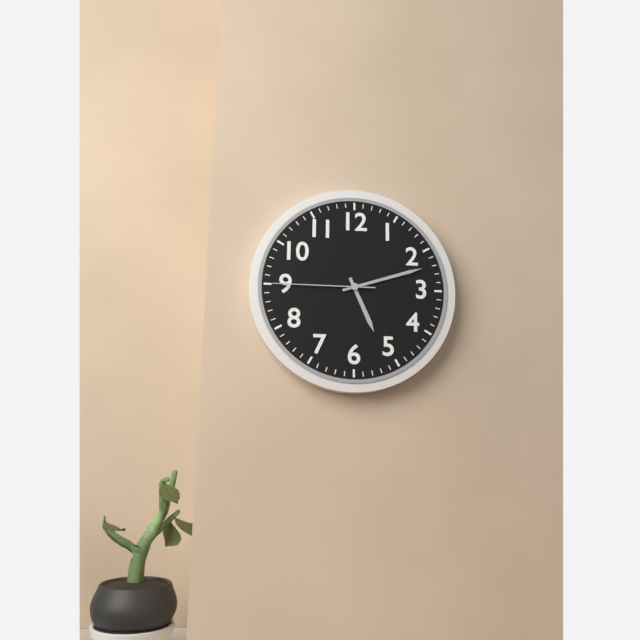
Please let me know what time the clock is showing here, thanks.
5:12:45
